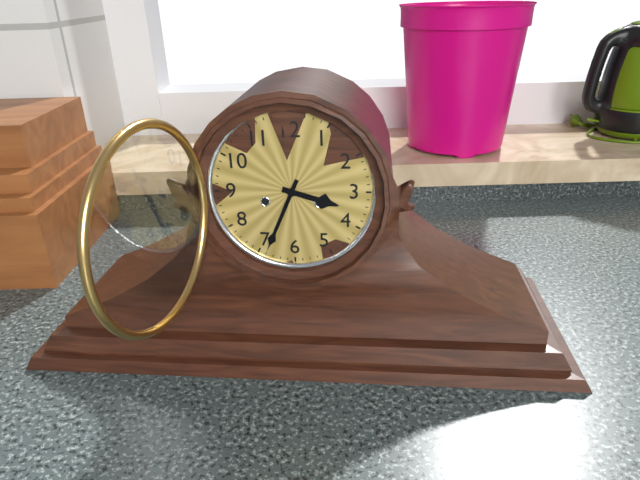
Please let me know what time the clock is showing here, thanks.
3:34
